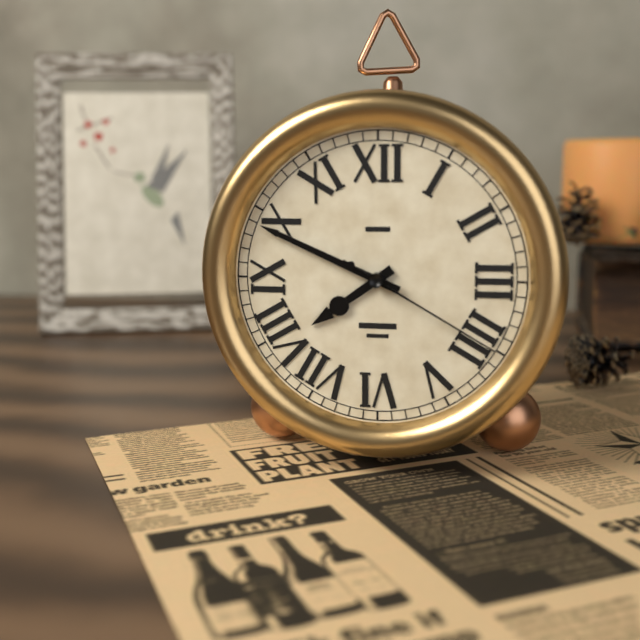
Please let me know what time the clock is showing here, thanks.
7:49:20
